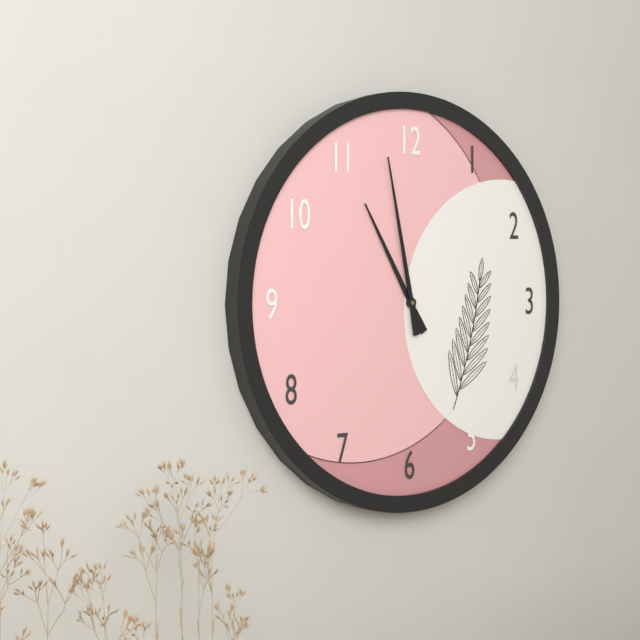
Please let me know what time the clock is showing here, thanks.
10:58
